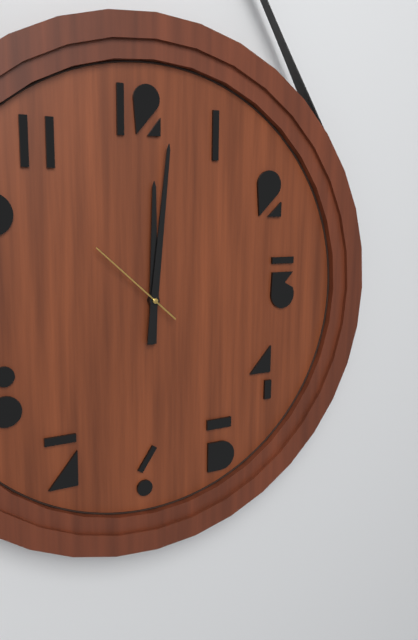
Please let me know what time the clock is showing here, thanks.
12:01:52
